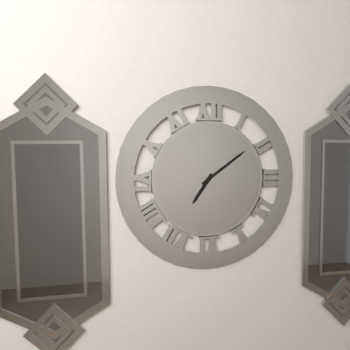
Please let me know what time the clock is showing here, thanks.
7:09
